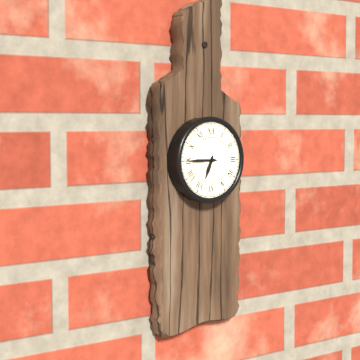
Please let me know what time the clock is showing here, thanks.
6:45
